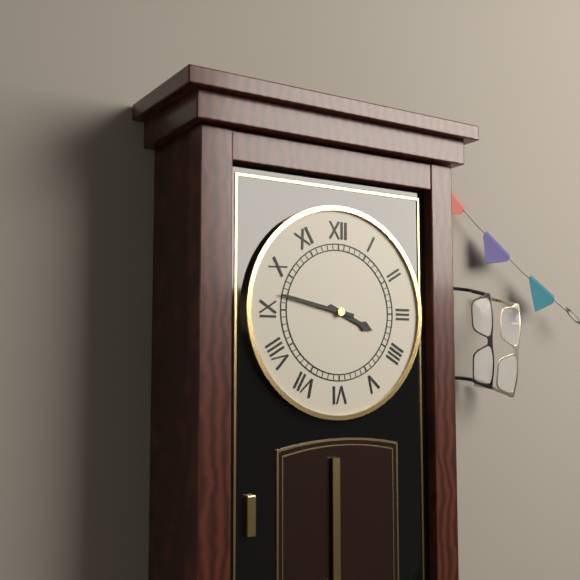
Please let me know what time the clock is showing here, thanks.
3:47
